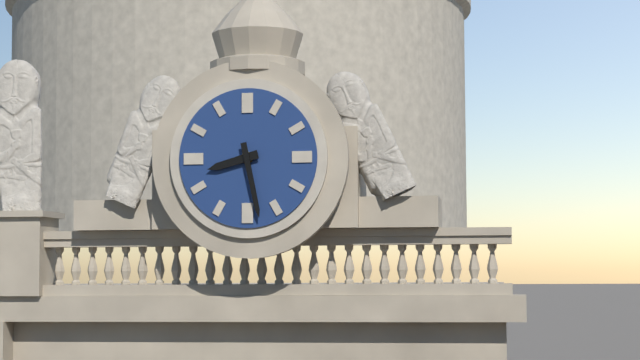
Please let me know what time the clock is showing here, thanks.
8:28
